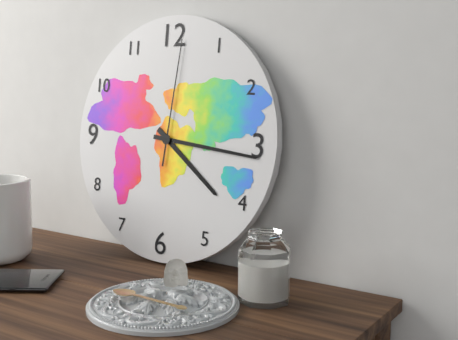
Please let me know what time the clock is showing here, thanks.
4:16:01
